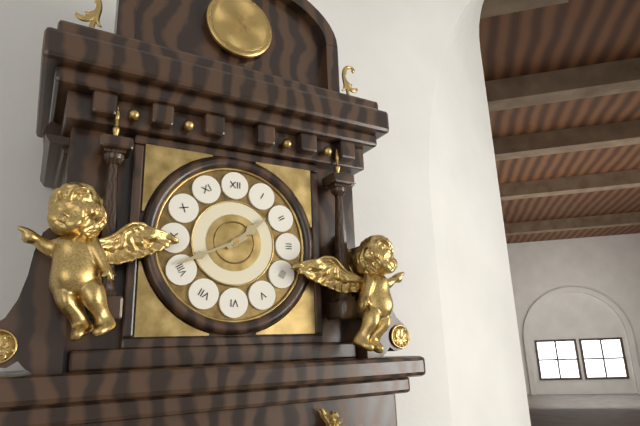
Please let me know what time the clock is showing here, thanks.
1:41
